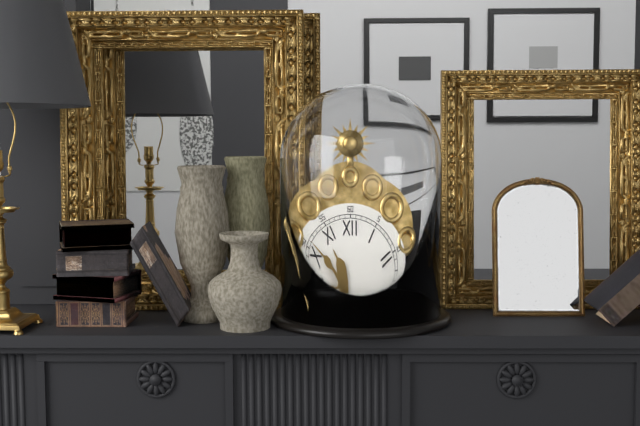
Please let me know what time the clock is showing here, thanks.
10:51
